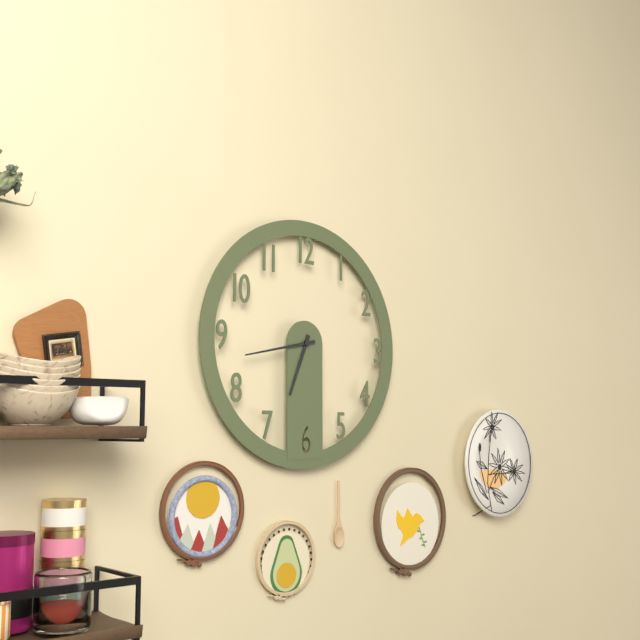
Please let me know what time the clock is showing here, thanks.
6:43
